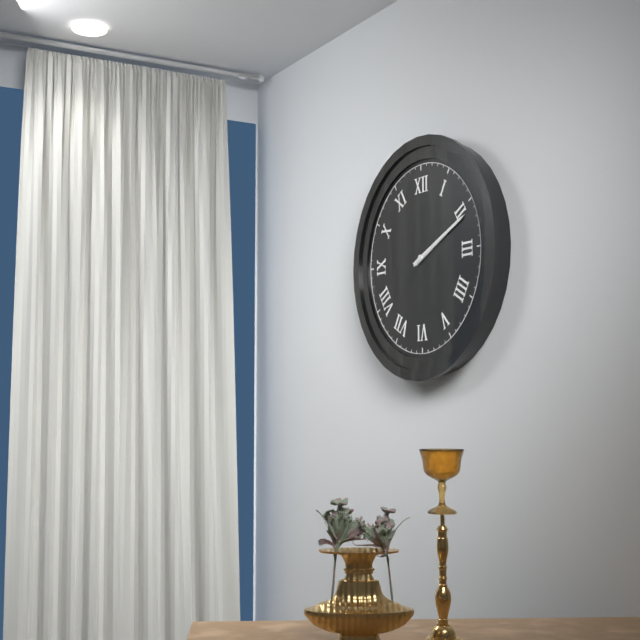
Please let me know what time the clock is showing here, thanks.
2:11
